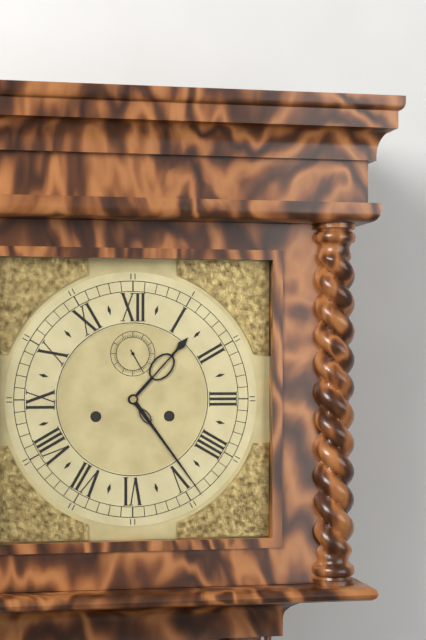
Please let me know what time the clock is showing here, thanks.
1:24
